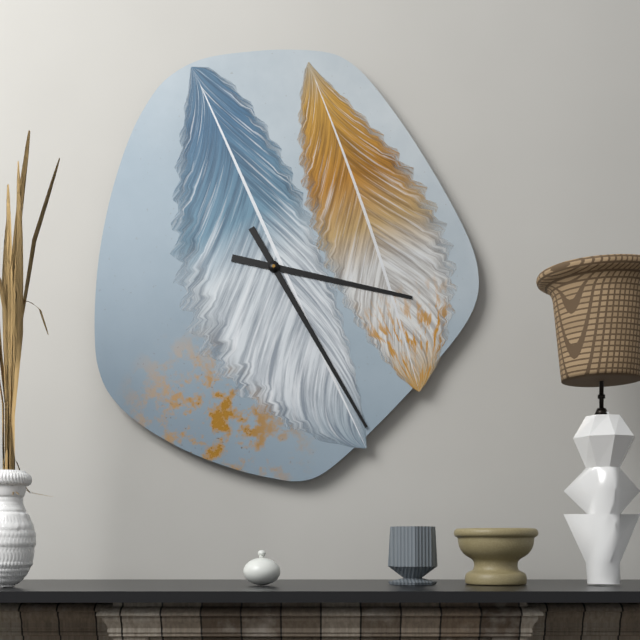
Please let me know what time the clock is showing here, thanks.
3:25
